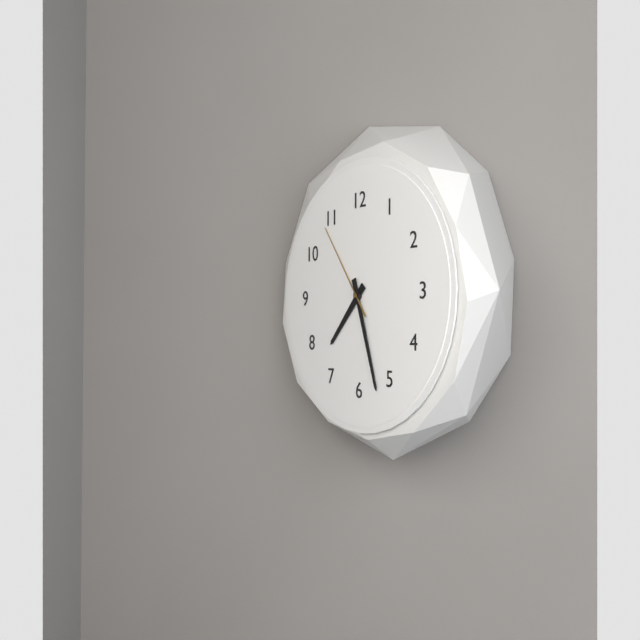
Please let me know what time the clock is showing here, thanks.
7:27:54
